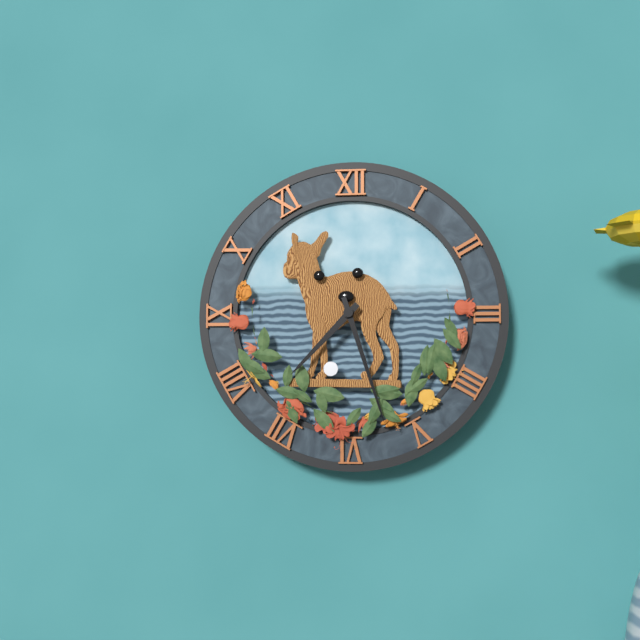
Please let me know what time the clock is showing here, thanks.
7:27
